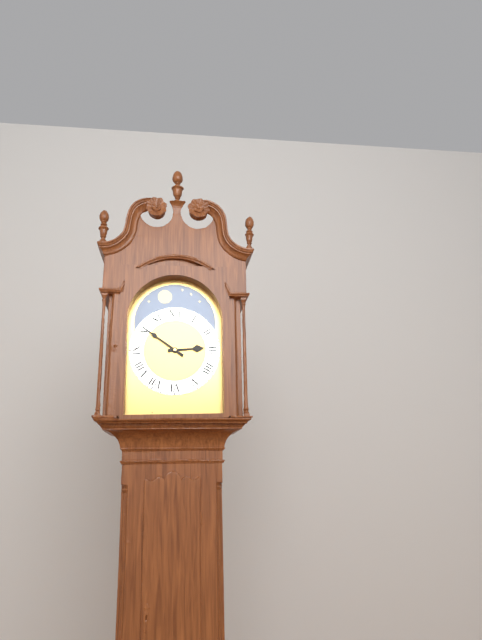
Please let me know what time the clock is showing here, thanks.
2:51
